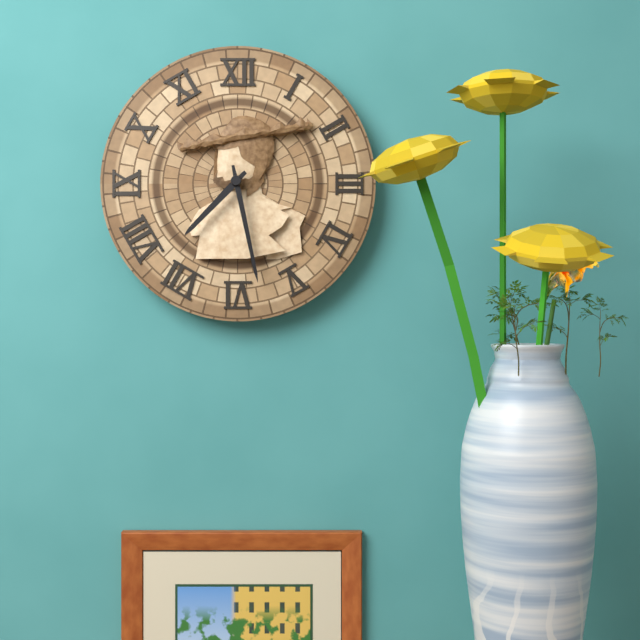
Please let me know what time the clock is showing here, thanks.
7:28
